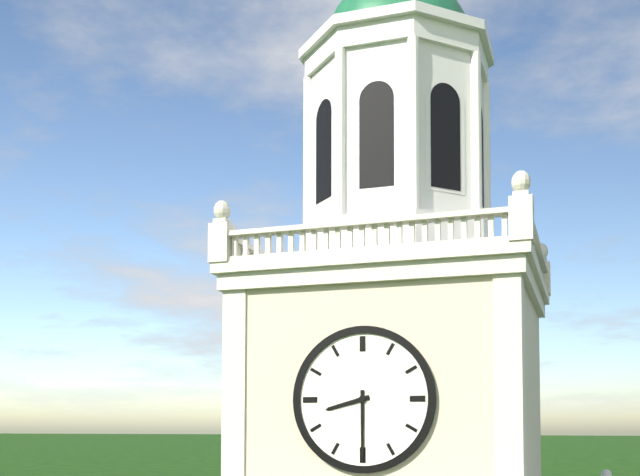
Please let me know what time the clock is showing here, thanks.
8:30
